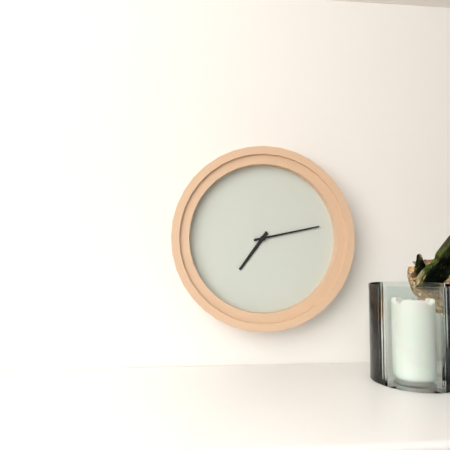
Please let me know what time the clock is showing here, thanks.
7:13
